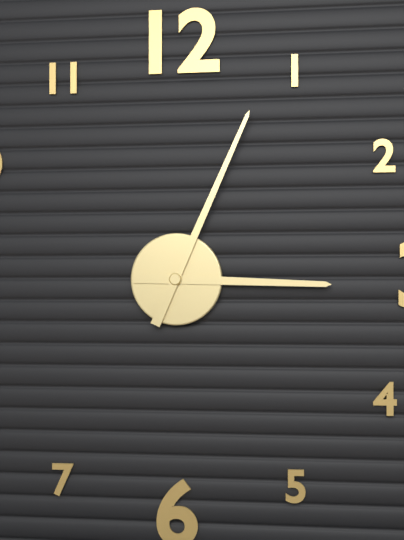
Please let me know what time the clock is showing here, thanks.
3:04
